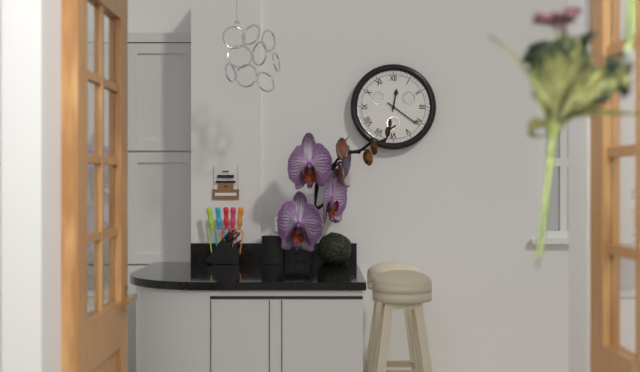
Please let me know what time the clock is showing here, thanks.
12:21
